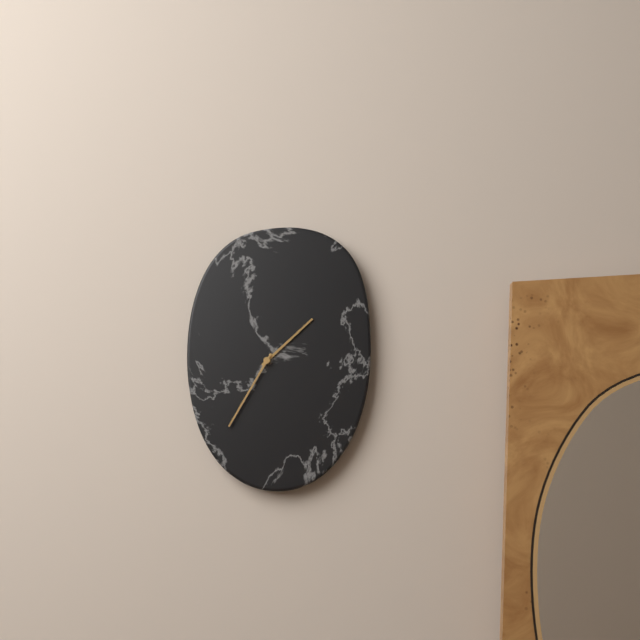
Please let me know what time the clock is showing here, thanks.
1:35
